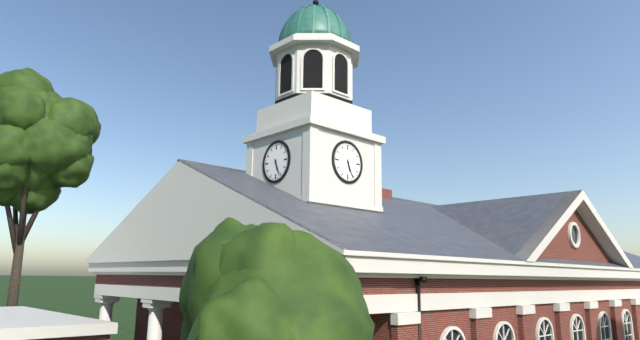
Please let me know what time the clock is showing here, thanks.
5:26
